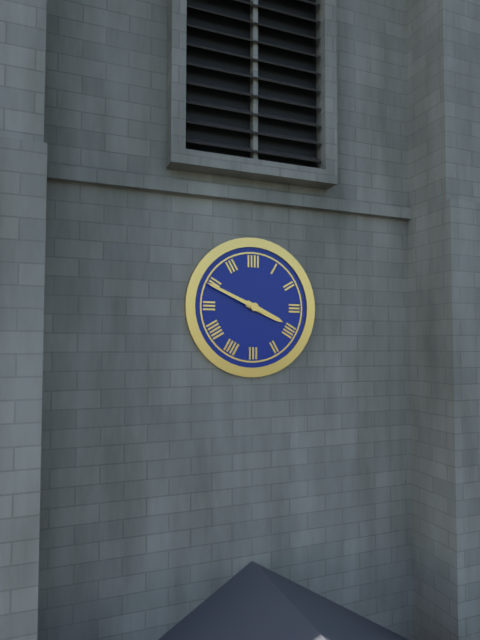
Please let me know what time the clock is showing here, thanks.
3:49
